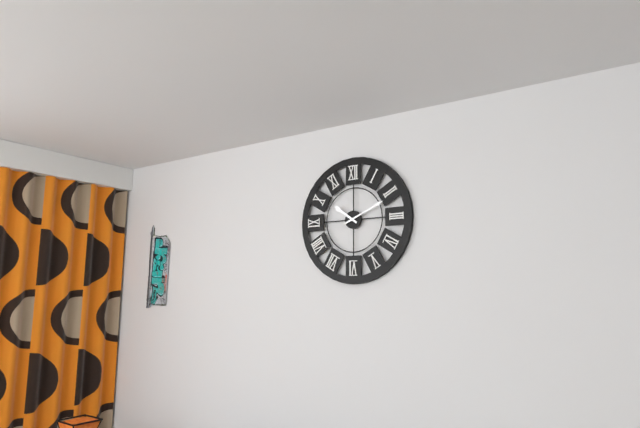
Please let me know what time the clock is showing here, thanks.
10:11
